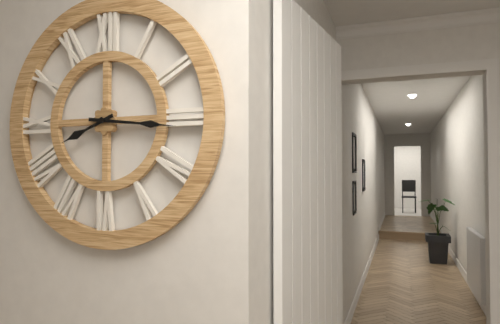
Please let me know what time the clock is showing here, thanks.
8:16
